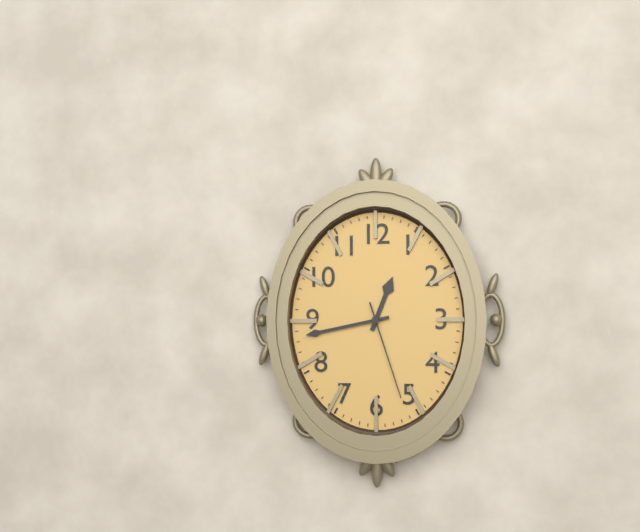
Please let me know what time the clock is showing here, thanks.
12:43:27
